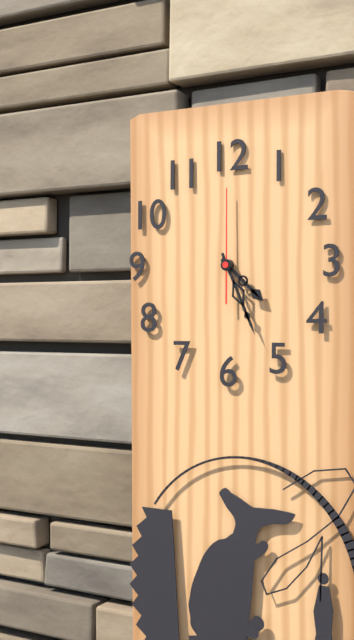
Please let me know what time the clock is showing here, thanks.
4:26:00
